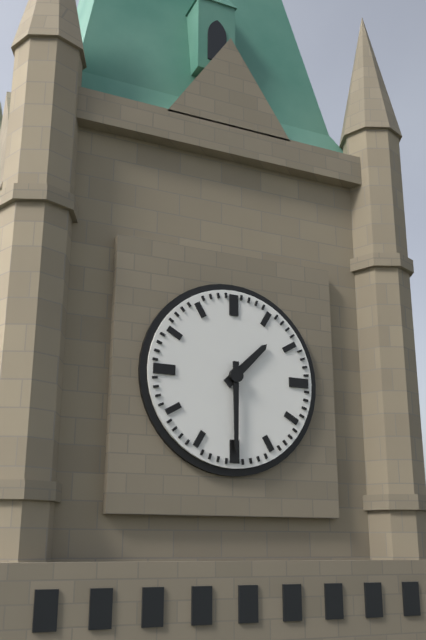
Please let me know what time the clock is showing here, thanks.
1:30
